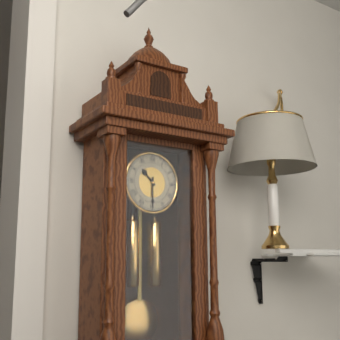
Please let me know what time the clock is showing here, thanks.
10:30
